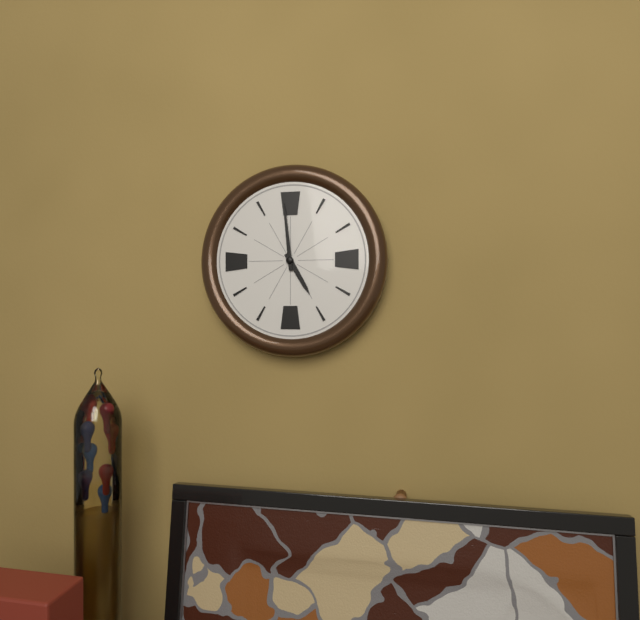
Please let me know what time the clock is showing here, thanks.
4:59
